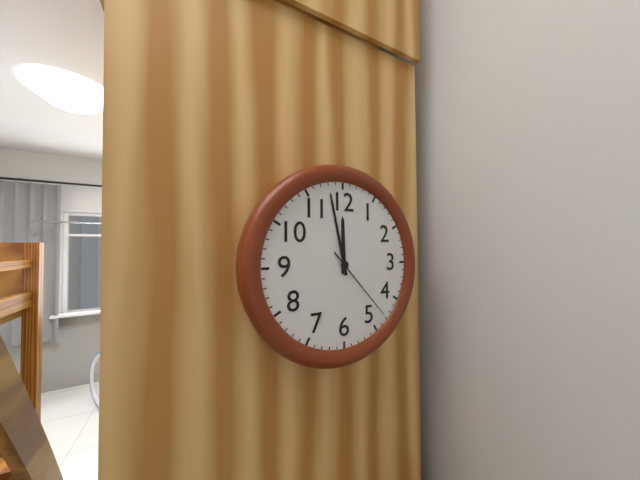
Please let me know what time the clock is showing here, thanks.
11:58:23
